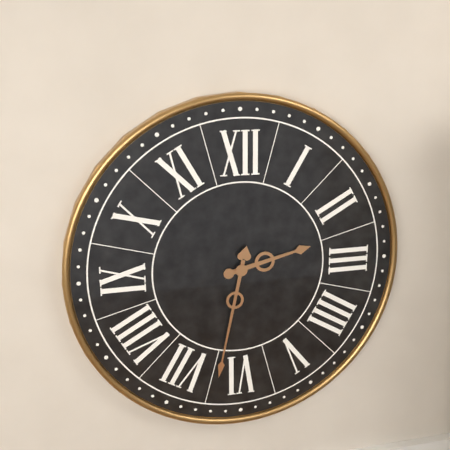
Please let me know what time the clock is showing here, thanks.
2:32
